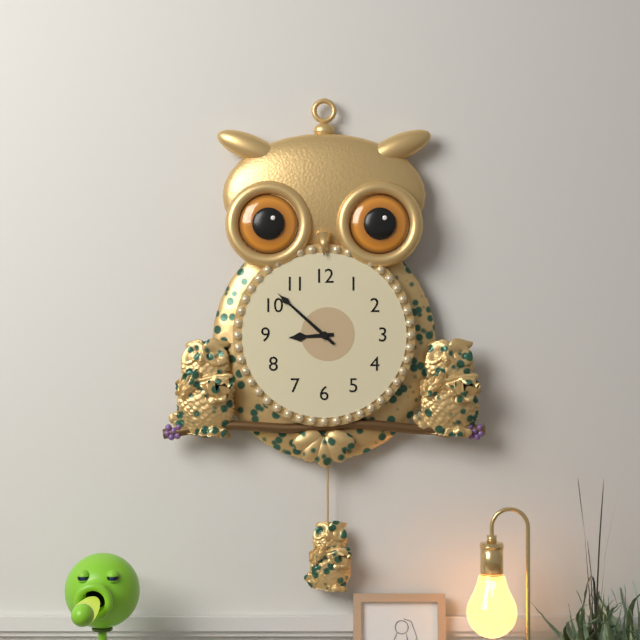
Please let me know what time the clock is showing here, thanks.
8:52
